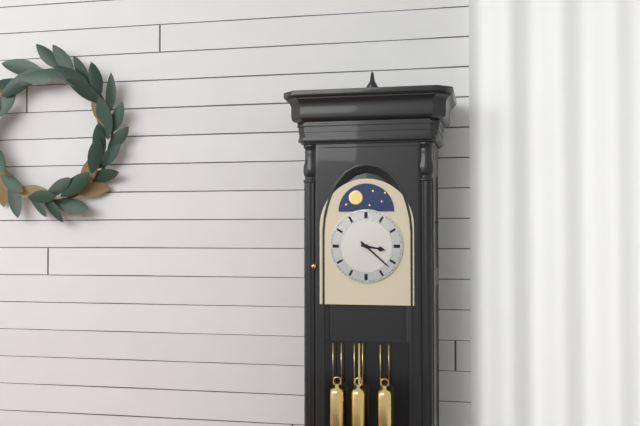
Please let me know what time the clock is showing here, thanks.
3:22
